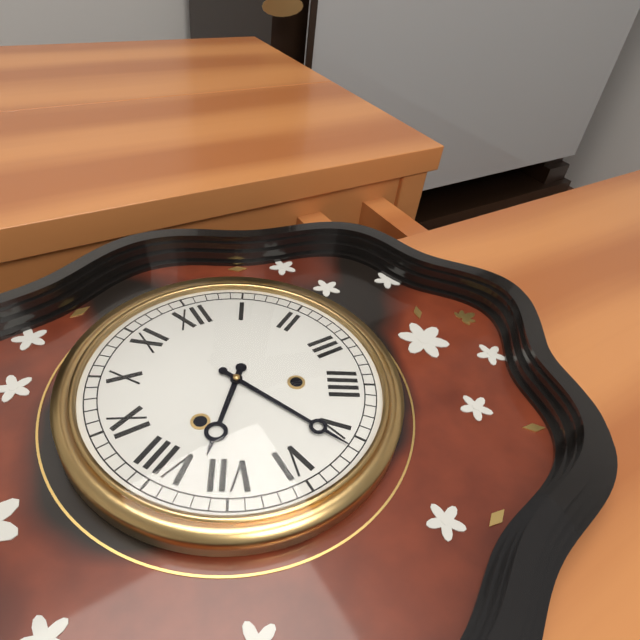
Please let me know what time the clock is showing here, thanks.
7:26
